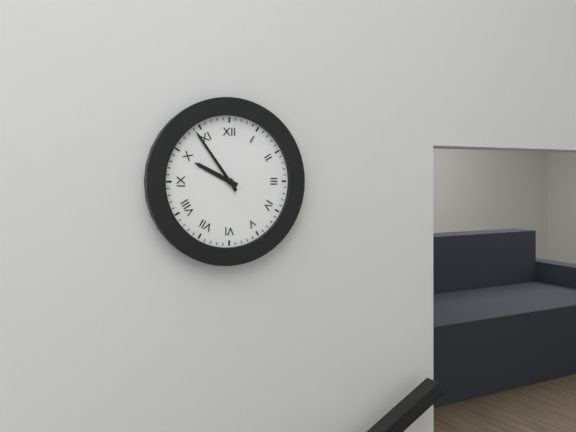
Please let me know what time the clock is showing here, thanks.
9:54
